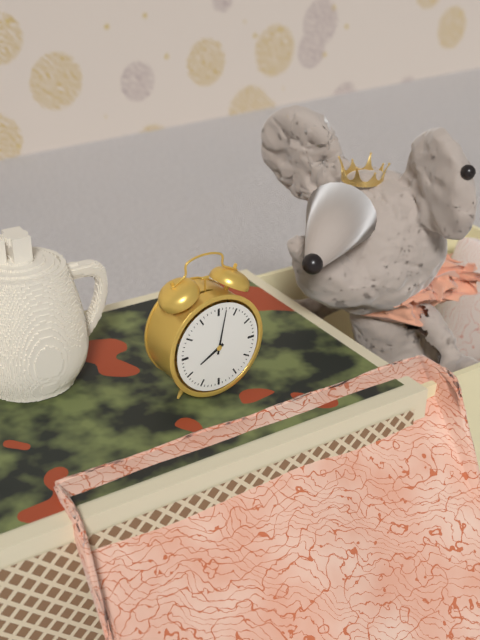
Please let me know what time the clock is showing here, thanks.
8:02
